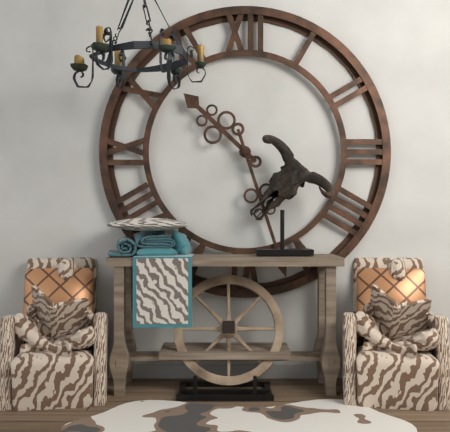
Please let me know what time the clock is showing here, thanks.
10:27
